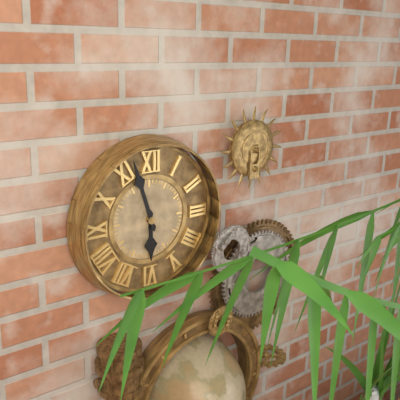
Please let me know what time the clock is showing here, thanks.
5:57
